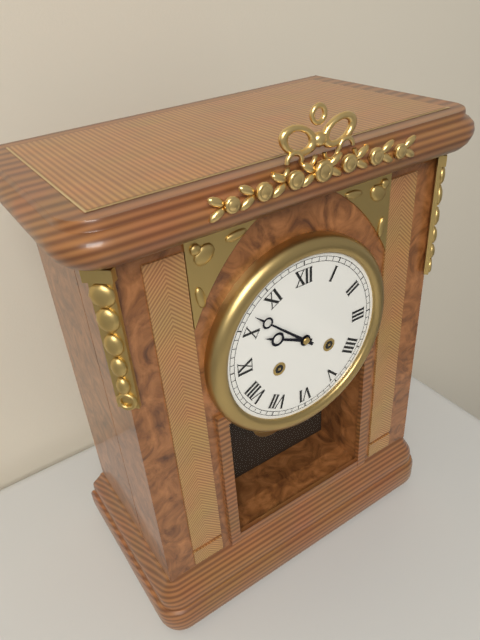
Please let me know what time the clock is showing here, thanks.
9:52
